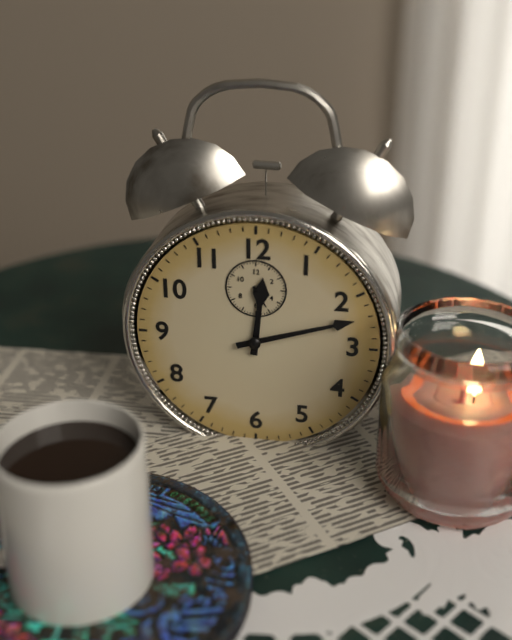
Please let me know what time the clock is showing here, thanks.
12:12
